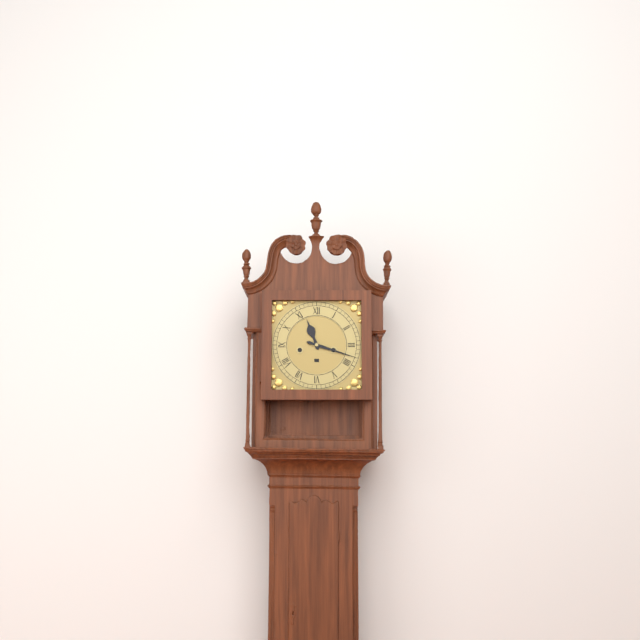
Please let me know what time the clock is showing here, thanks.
11:18
